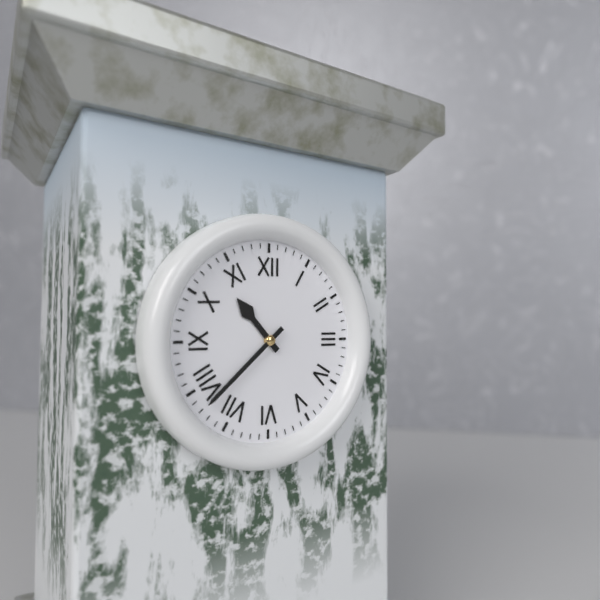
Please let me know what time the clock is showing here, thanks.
10:38
